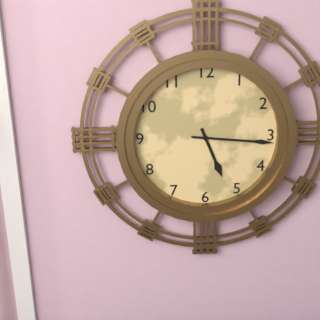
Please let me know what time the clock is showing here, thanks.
5:16
